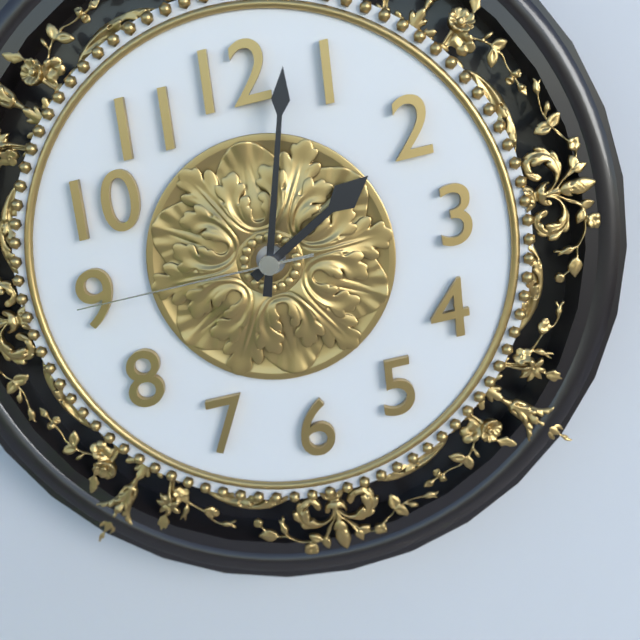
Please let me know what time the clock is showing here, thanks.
2:03:45
